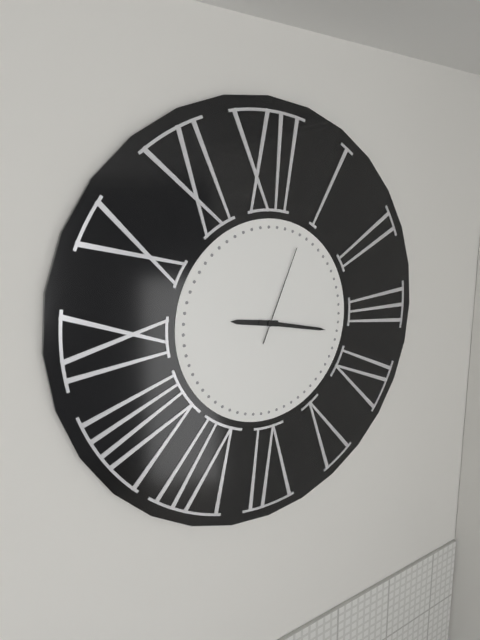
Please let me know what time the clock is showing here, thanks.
9:17:04
